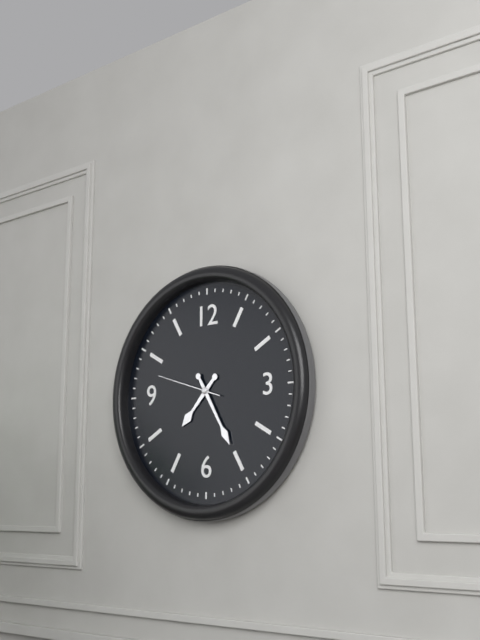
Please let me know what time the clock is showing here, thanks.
7:25:48
